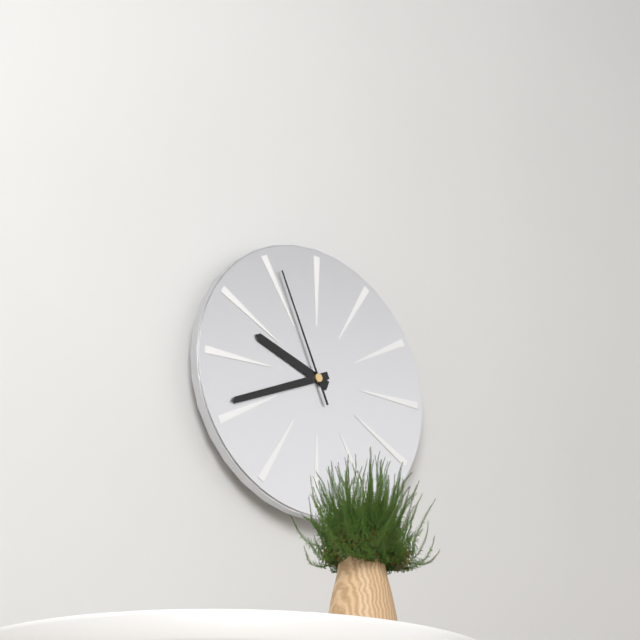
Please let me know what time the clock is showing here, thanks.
9:41:56
